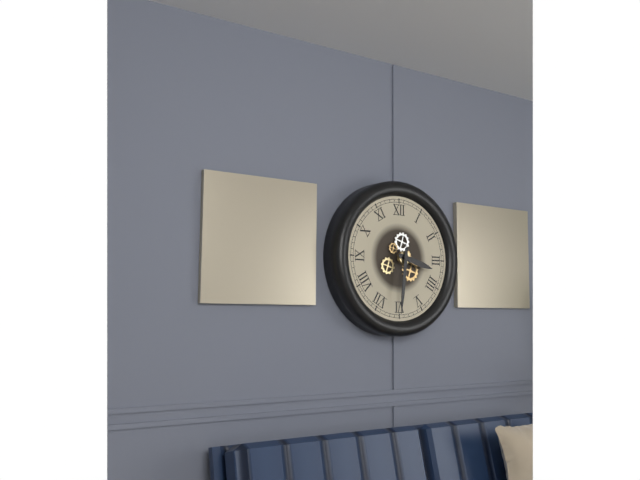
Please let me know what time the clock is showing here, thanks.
3:31
